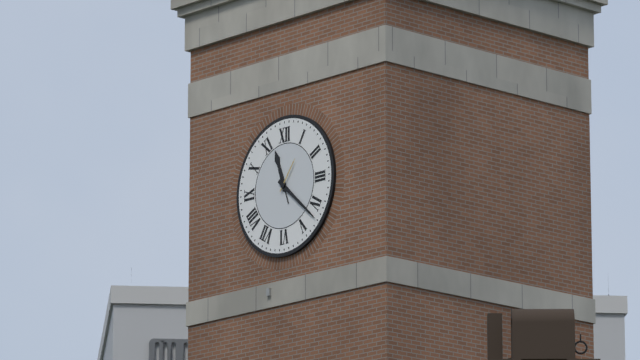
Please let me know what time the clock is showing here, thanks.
11:22
